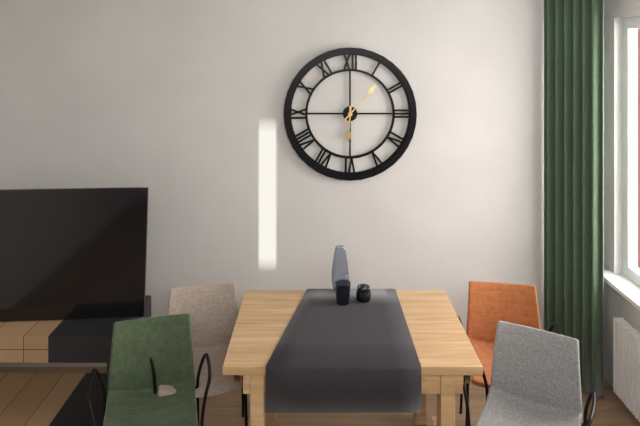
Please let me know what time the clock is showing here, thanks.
6:07
